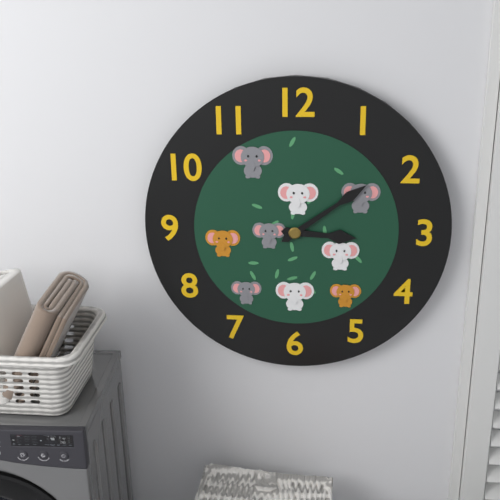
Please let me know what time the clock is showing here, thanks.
3:09
